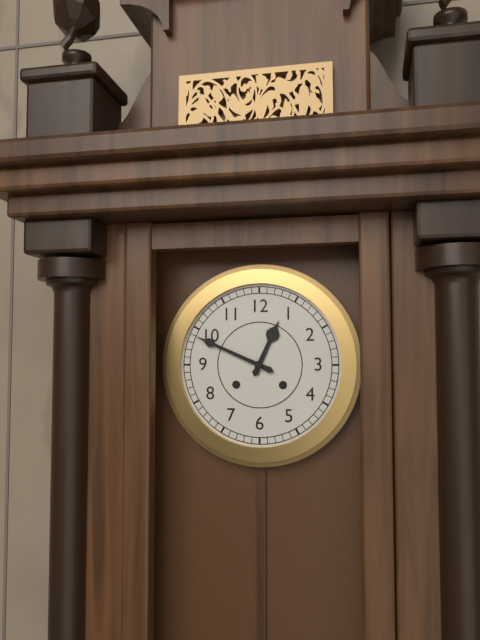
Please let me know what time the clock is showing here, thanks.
12:49
